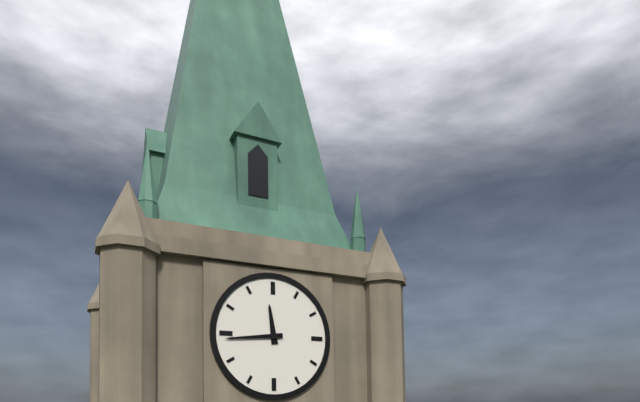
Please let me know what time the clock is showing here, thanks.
11:44
